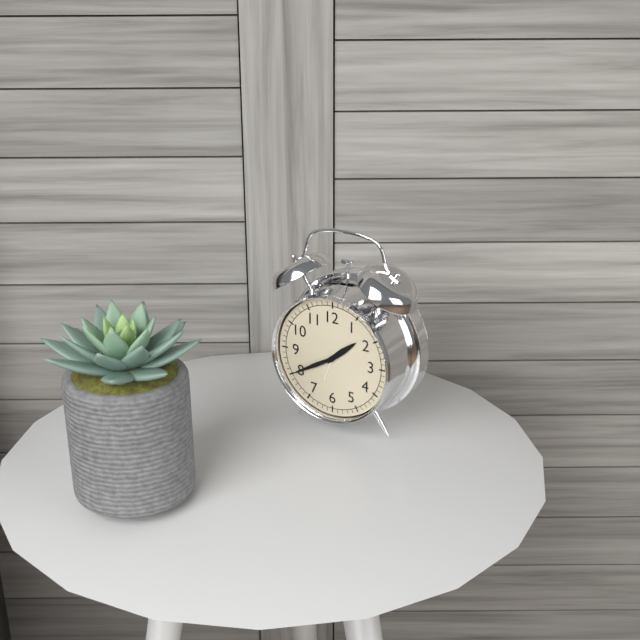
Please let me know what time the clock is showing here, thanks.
1:40
